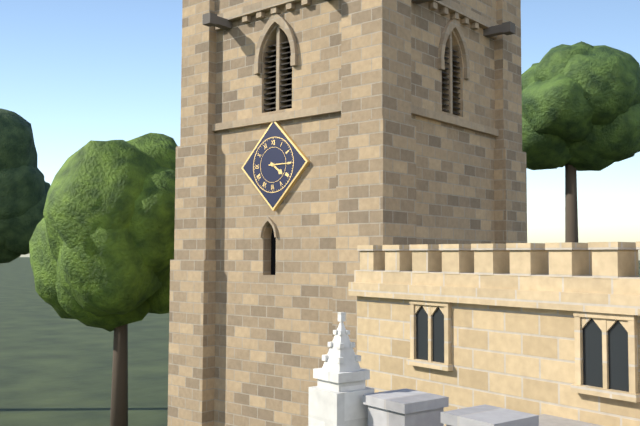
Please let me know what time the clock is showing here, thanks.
4:15
